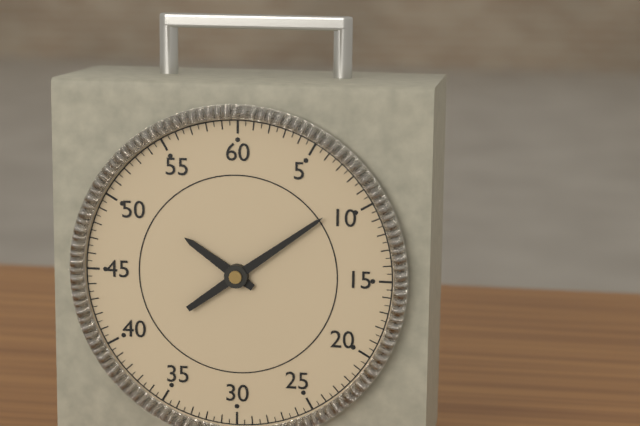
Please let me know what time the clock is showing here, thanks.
10:09
